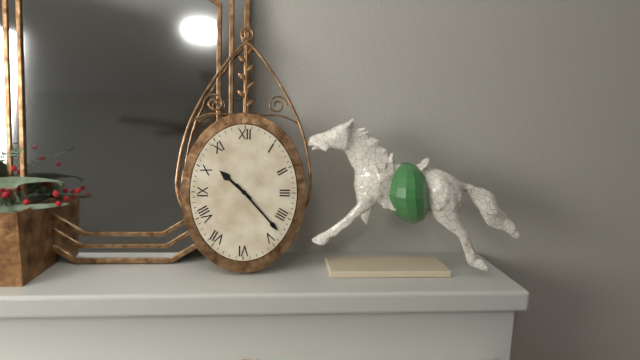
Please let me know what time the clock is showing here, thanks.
10:23
